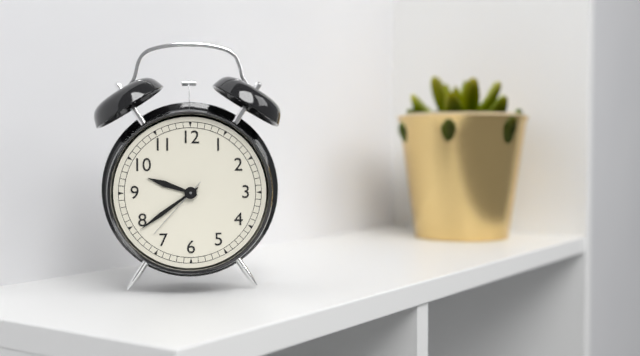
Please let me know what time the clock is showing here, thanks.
9:39:37
